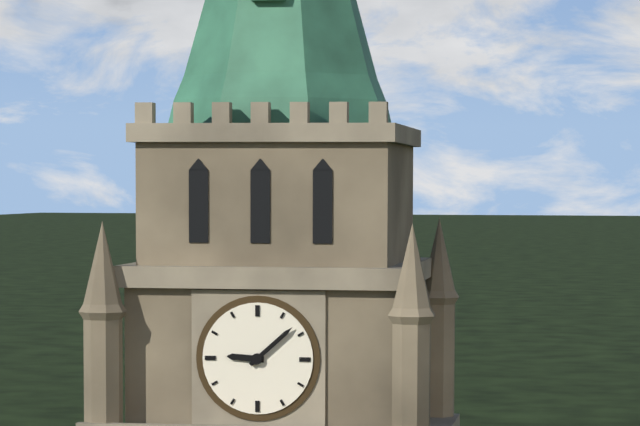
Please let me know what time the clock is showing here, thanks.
9:08
